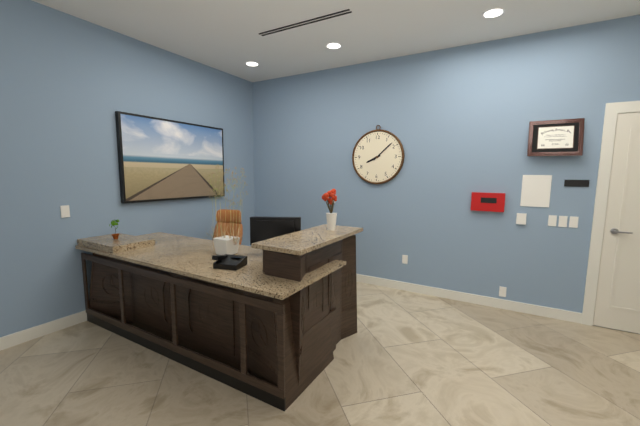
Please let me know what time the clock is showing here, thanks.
8:08
